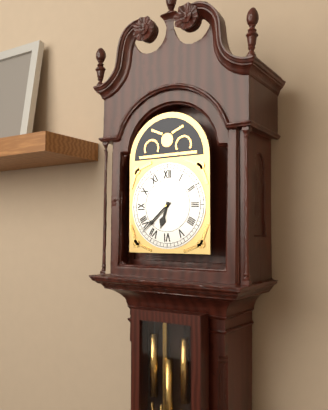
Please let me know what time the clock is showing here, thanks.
6:38
